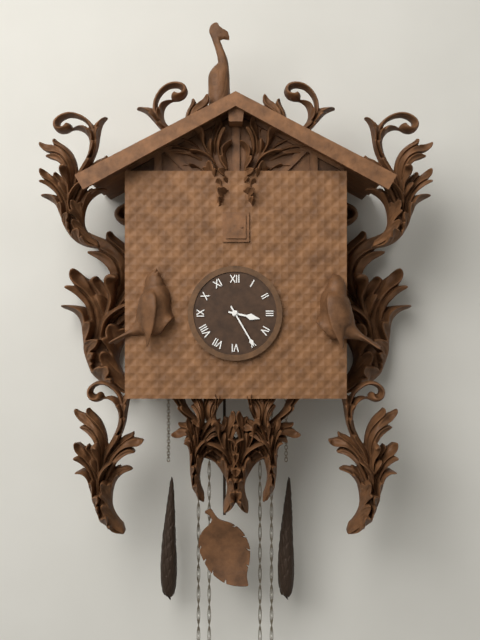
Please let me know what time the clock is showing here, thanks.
3:25
